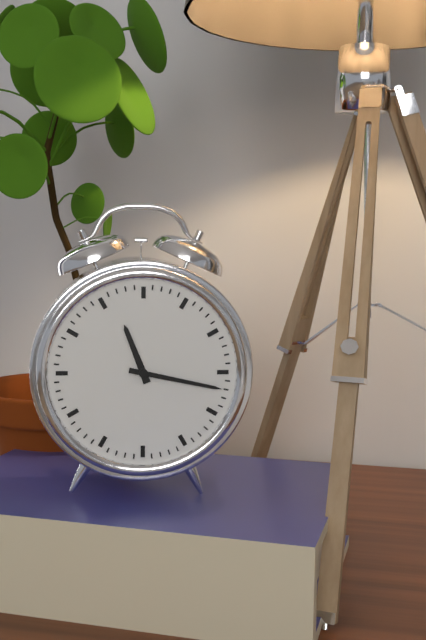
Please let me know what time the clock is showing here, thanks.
11:17
